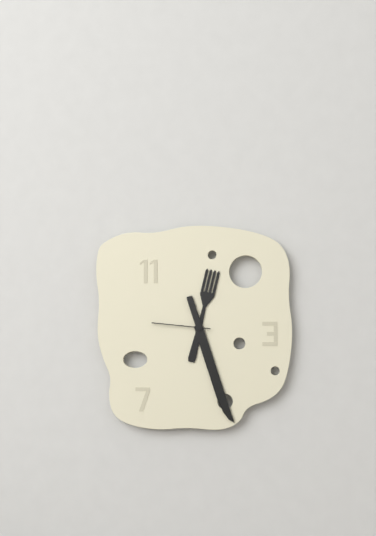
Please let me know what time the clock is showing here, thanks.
12:27:46
